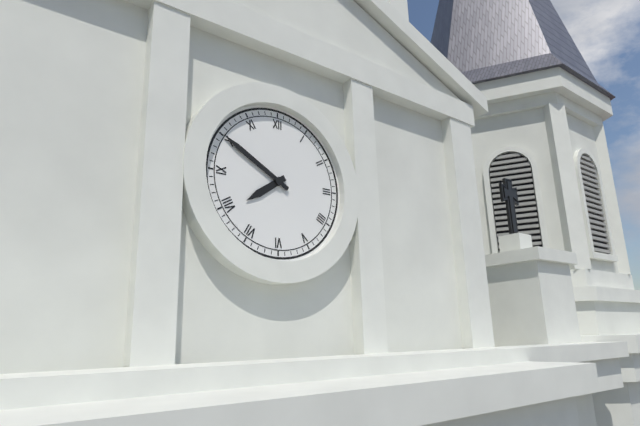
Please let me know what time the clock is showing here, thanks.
7:50
